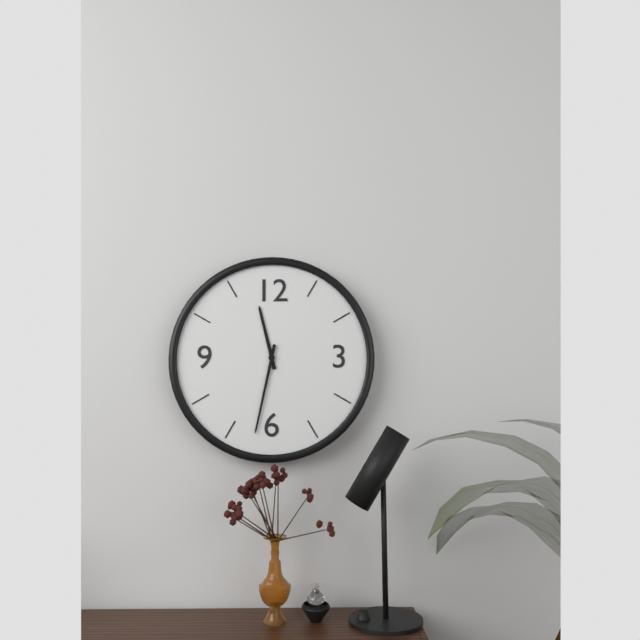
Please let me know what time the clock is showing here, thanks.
11:32
